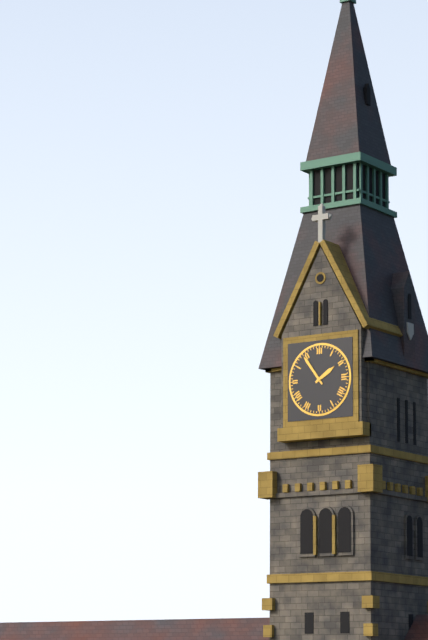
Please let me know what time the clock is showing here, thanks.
1:54
